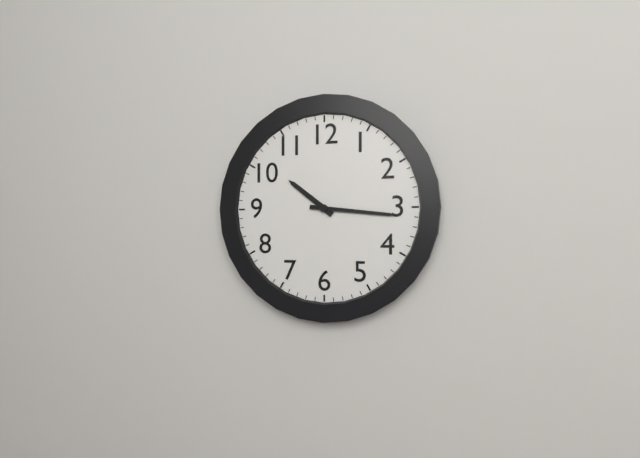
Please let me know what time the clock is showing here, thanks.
10:16
